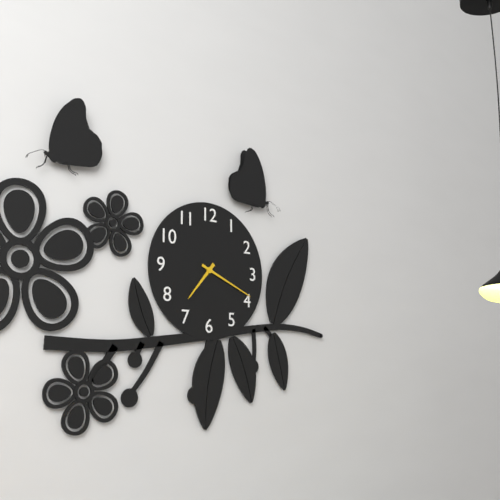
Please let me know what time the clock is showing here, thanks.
7:19
